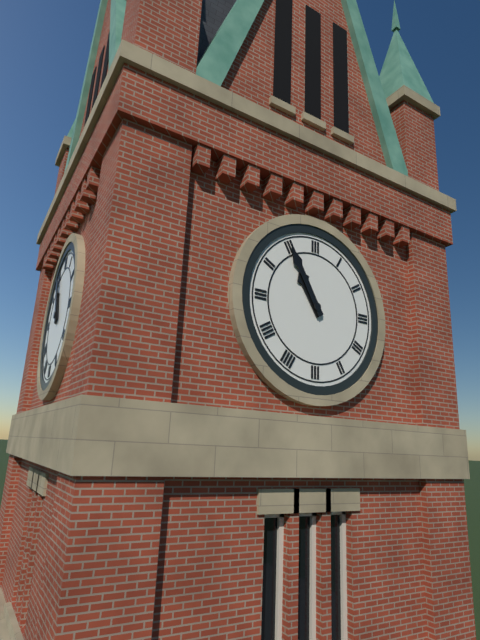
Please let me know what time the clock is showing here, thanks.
10:55
